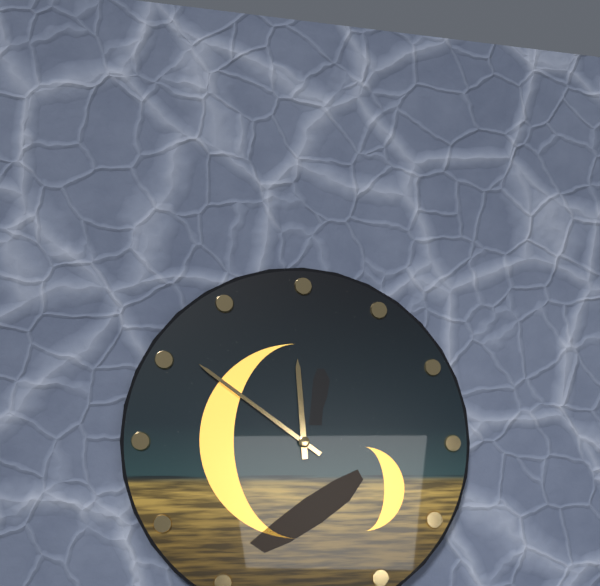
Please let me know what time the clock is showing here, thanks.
11:51
